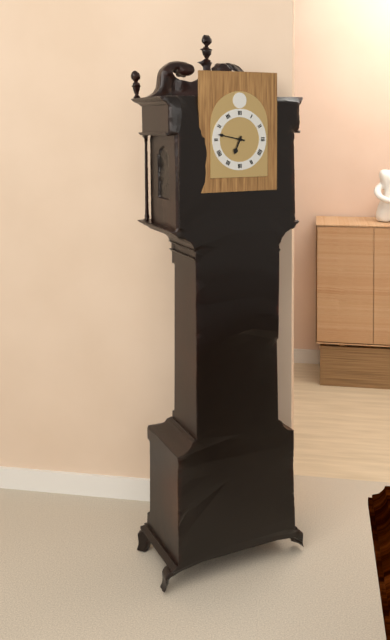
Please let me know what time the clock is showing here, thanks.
6:47
